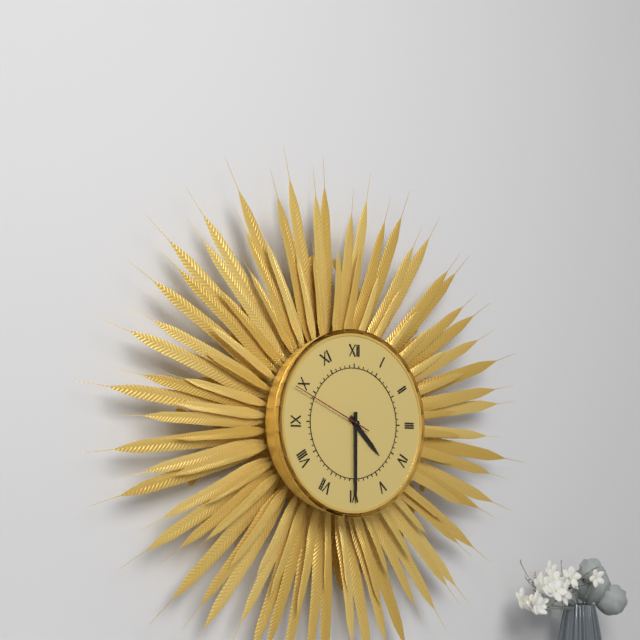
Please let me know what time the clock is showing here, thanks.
4:30:49
